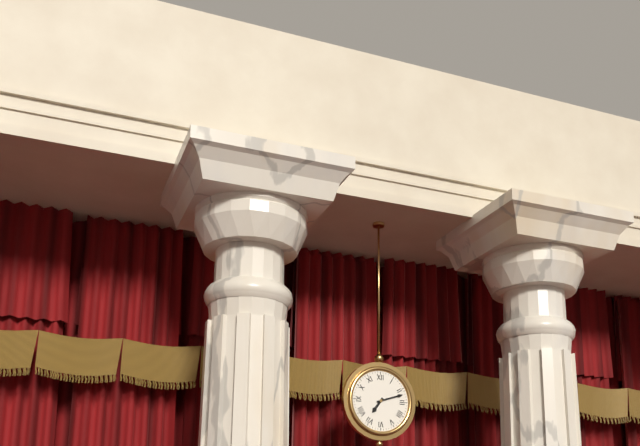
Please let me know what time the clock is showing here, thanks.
7:12
